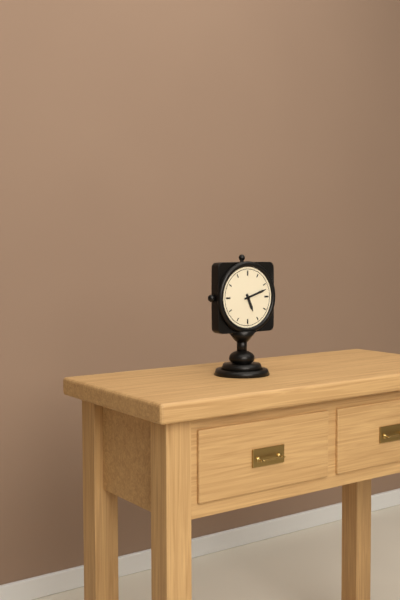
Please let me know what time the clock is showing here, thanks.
5:12
